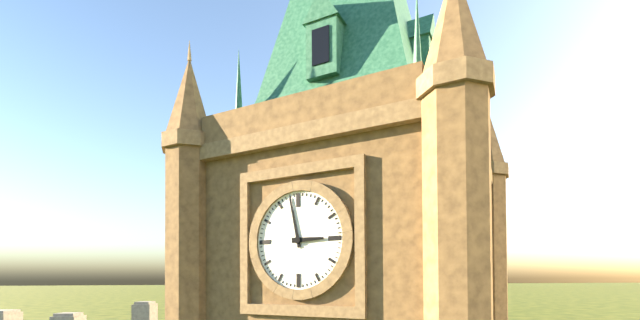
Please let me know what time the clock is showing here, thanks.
2:58
